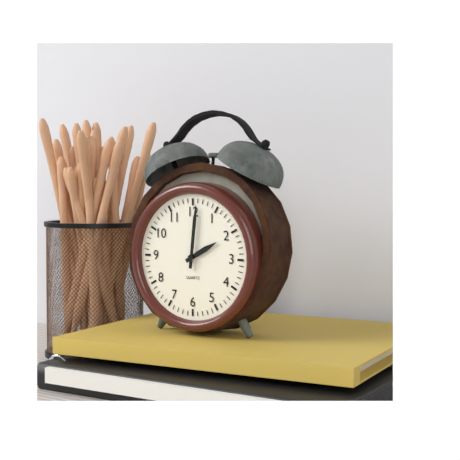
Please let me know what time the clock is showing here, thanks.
2:01
